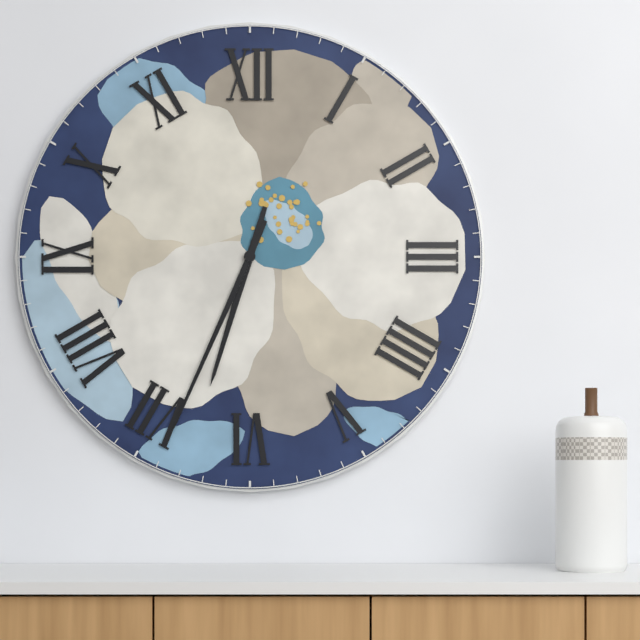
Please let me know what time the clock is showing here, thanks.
6:34
